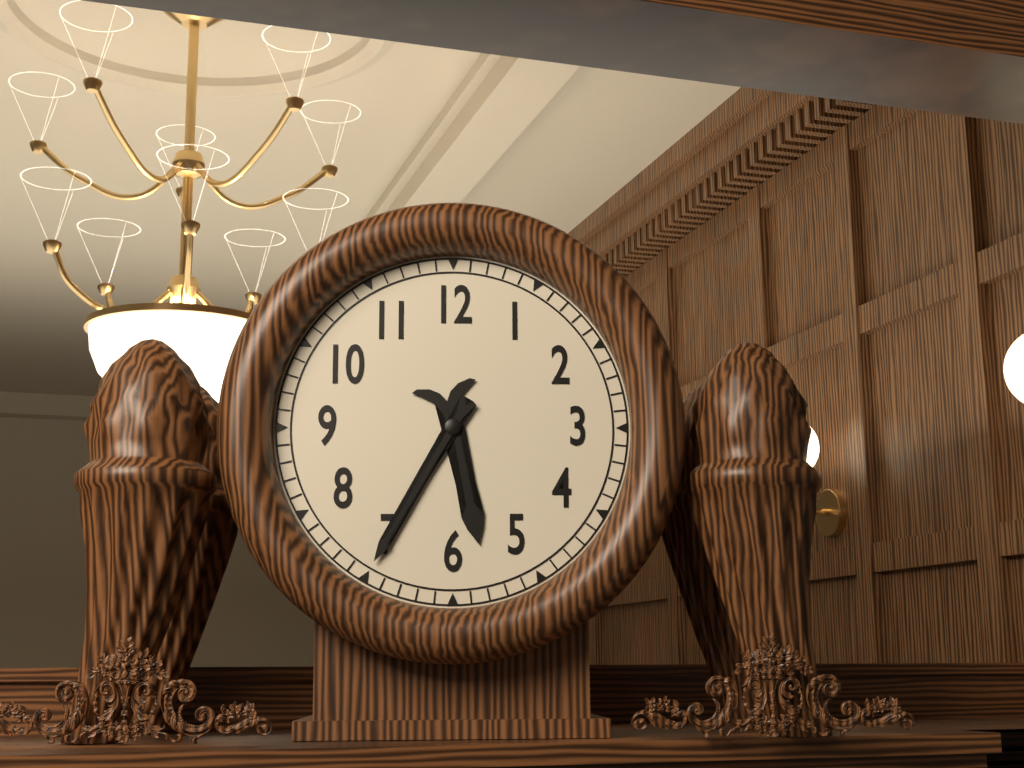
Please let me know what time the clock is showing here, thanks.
5:35
